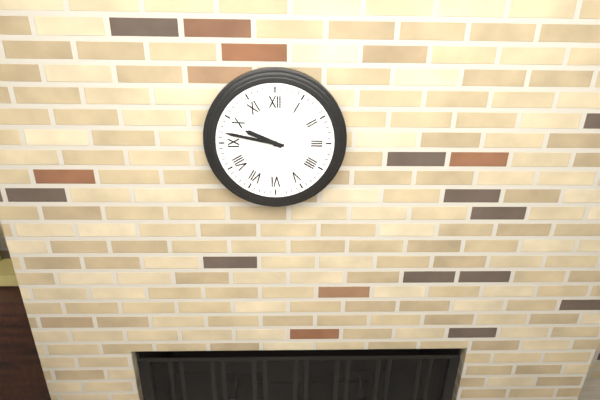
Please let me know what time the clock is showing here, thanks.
9:47
